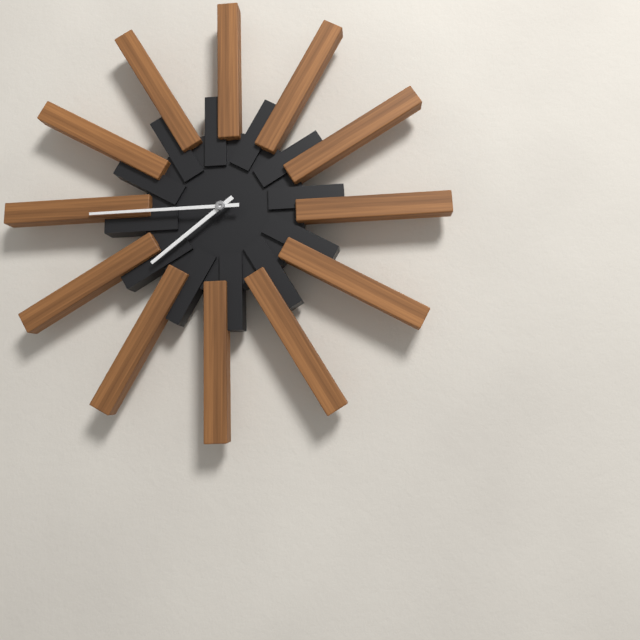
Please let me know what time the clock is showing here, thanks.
7:45
